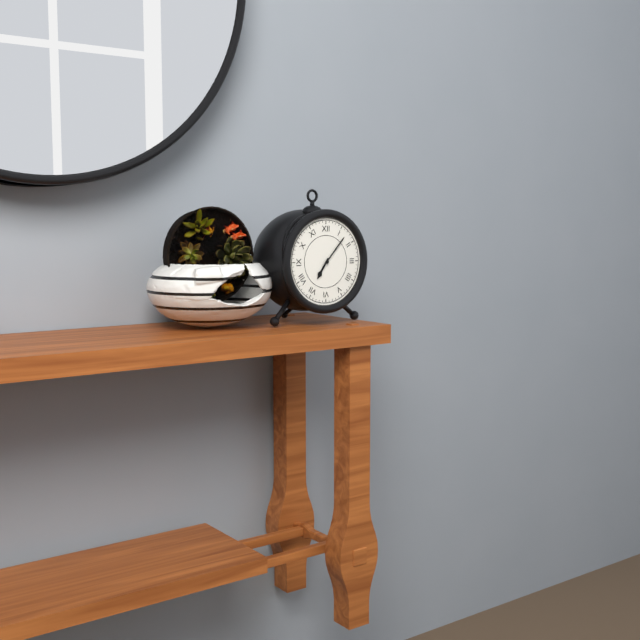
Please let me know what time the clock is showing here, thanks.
7:07
